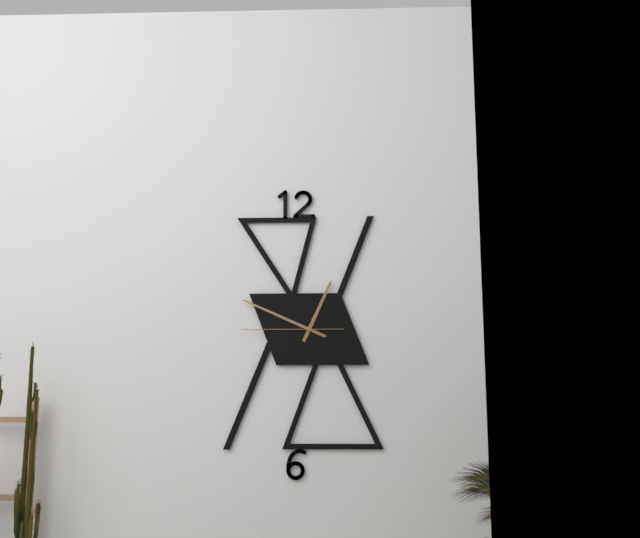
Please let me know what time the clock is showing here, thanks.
12:49:45
